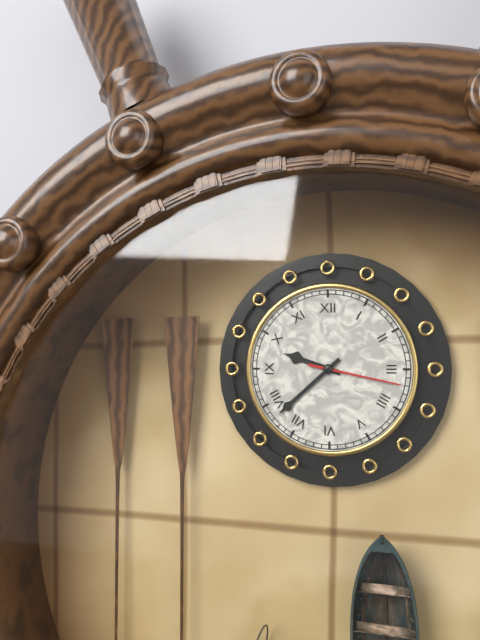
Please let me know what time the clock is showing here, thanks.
9:38:17
